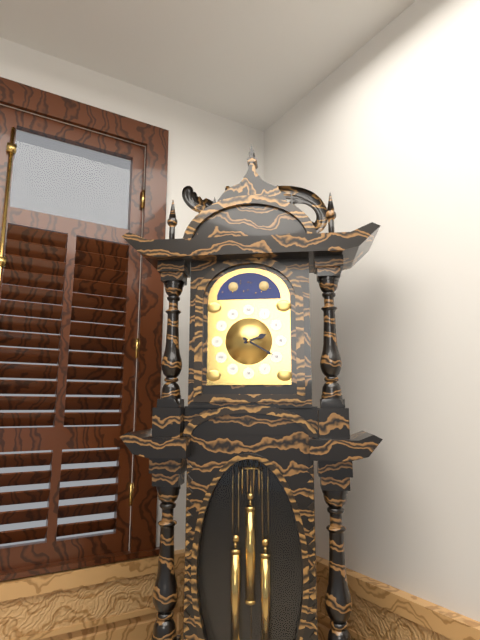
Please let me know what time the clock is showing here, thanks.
2:20
